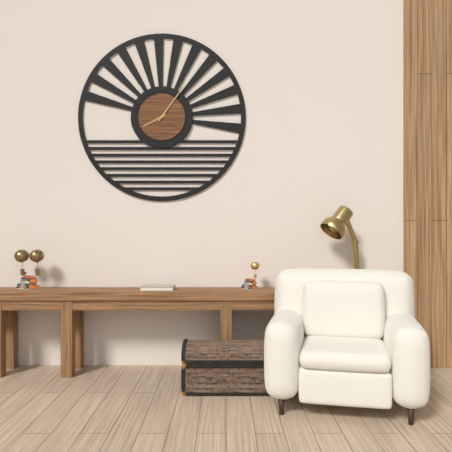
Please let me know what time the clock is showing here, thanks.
8:06
